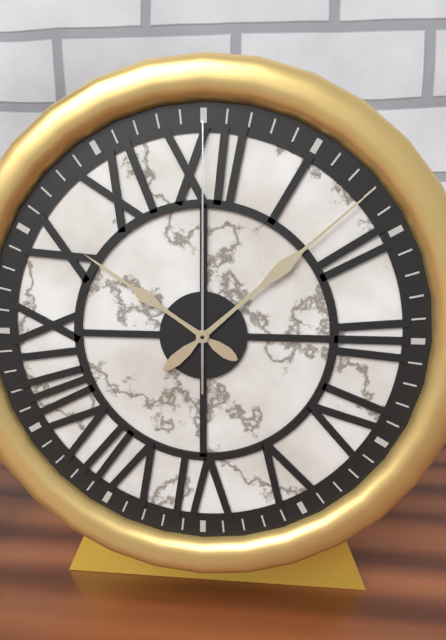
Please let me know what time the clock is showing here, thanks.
10:08:00
